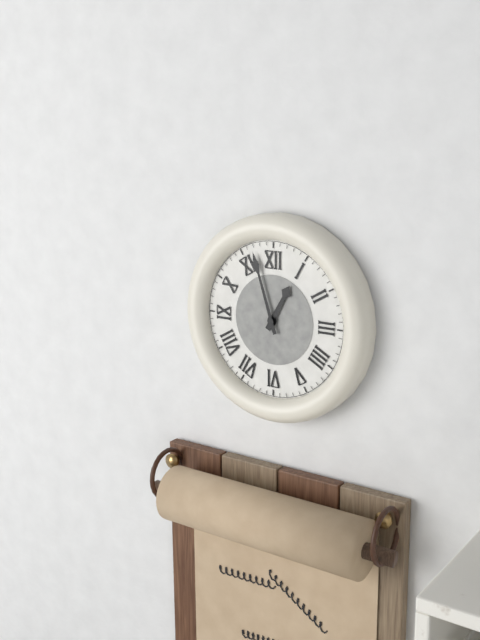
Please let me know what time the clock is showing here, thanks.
12:57
